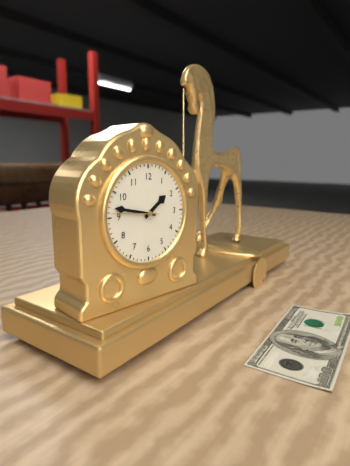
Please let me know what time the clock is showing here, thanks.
1:47
